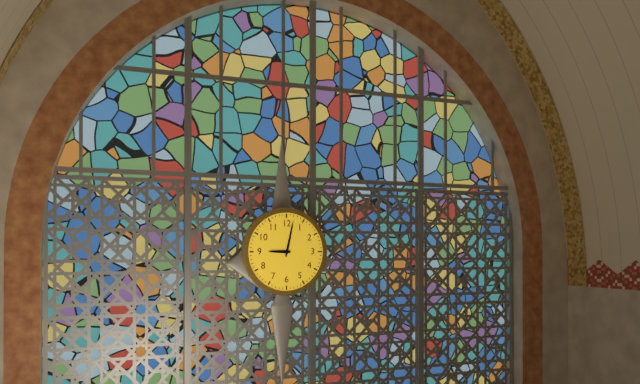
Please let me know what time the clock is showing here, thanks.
9:02
